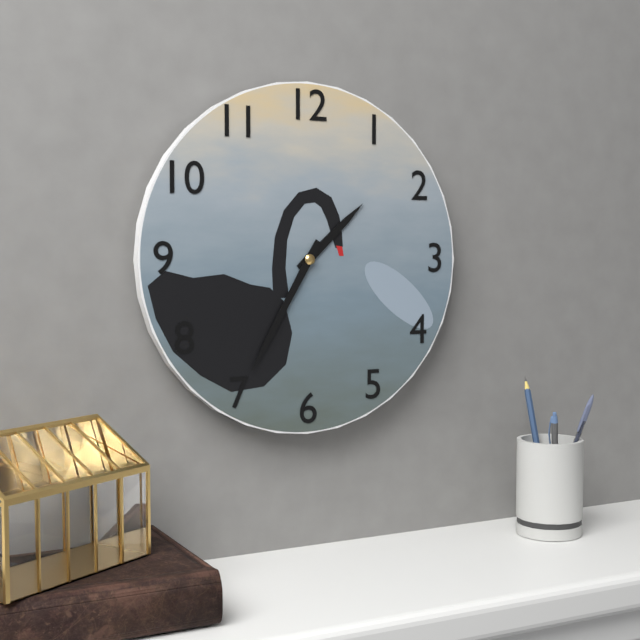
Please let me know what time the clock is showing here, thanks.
1:35
